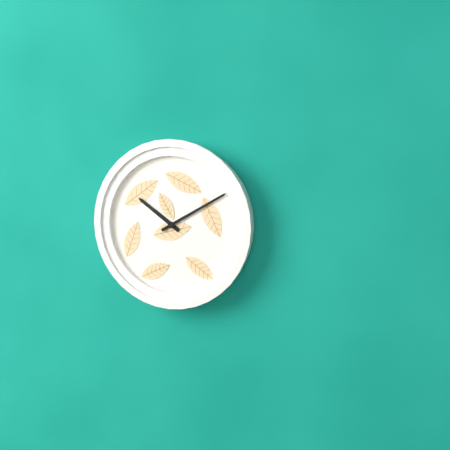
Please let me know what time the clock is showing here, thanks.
10:10
